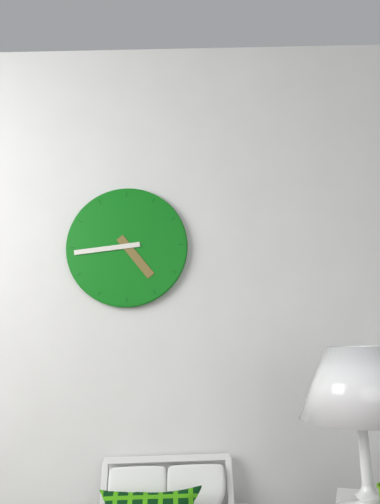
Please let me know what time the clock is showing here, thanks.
4:44
